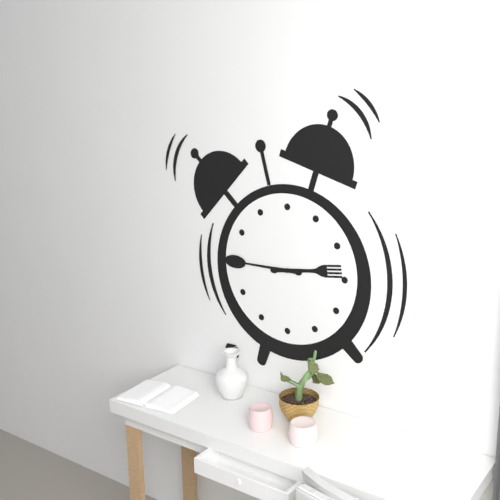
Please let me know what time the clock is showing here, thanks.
2:45
